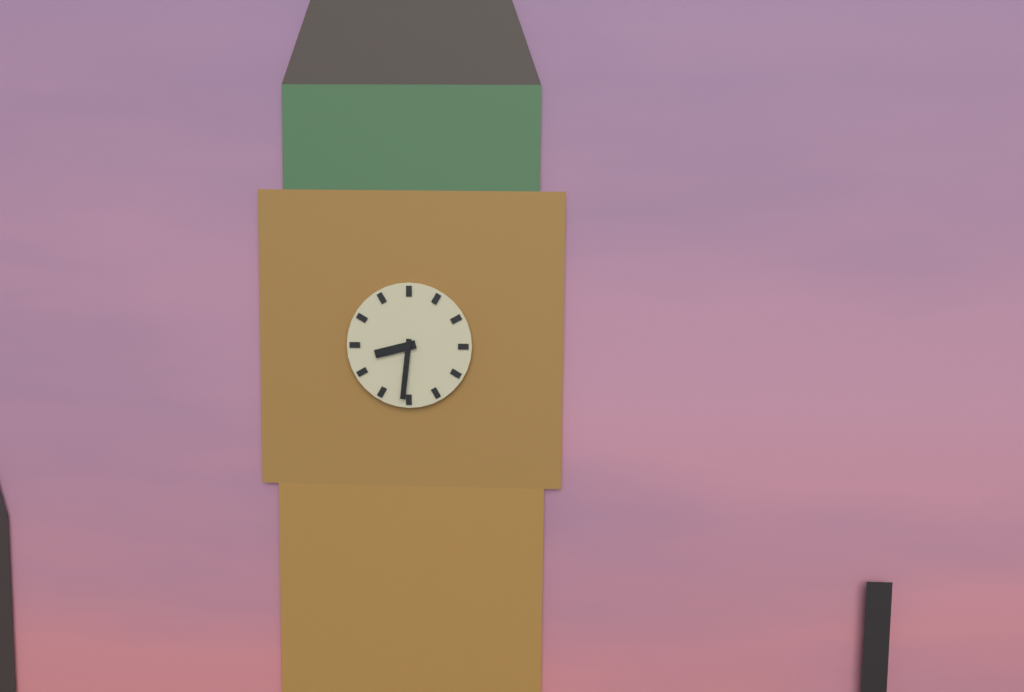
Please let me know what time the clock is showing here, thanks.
8:31
